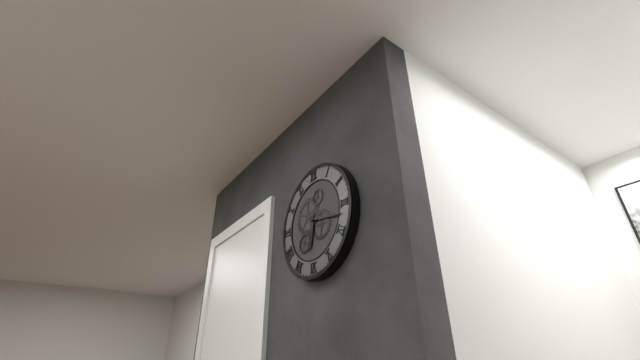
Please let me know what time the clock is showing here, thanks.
6:17
